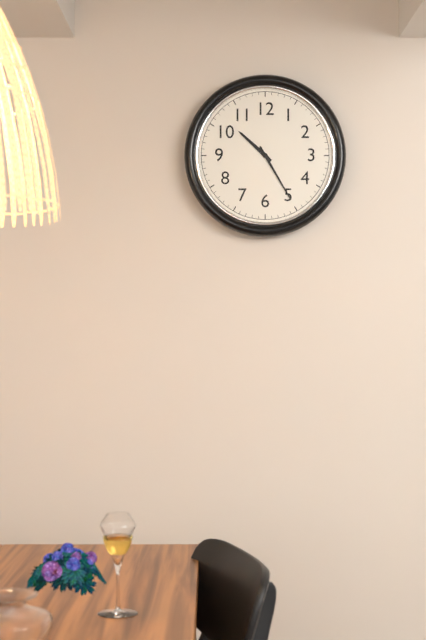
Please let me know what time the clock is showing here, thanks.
10:25
